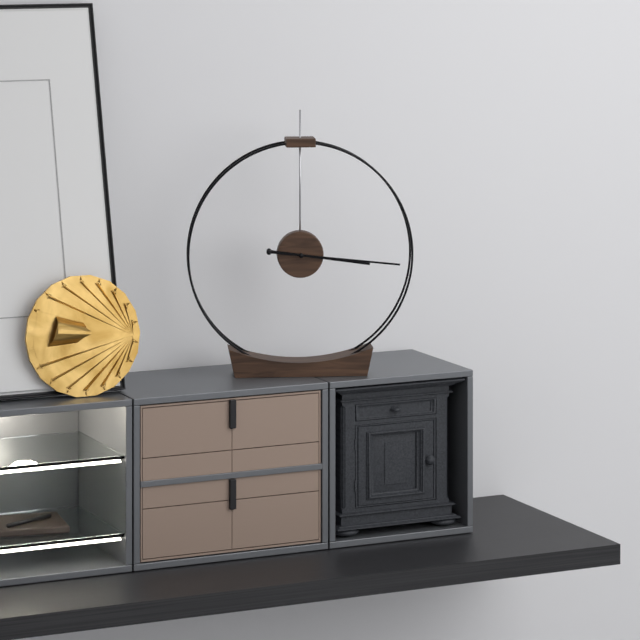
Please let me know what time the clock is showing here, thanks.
3:16
